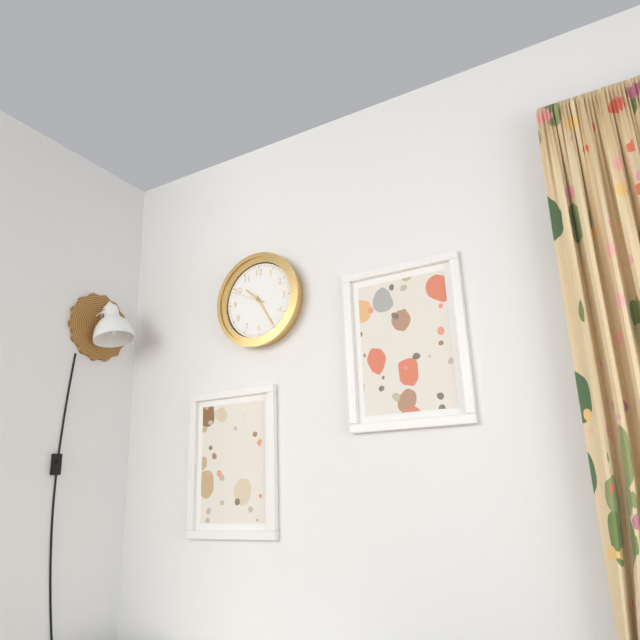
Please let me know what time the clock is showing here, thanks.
10:25
